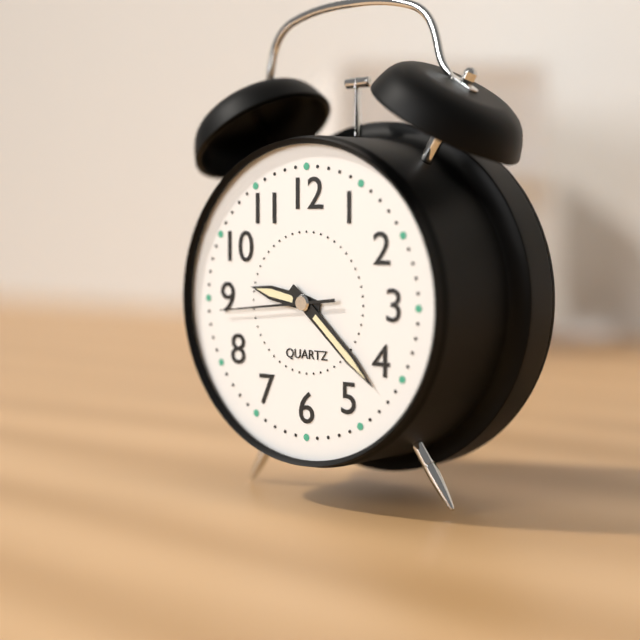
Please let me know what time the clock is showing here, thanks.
9:22:44
